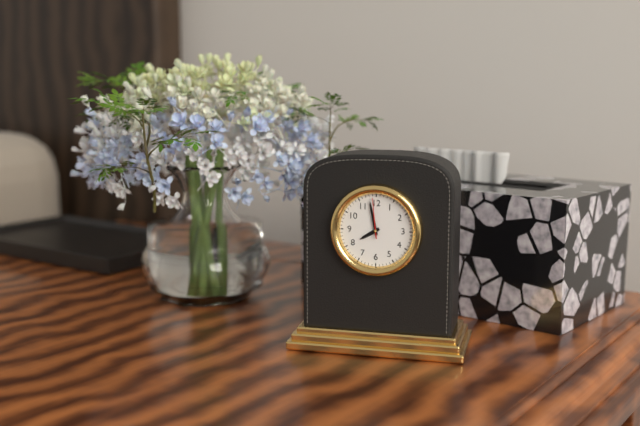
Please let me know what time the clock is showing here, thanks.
7:58
